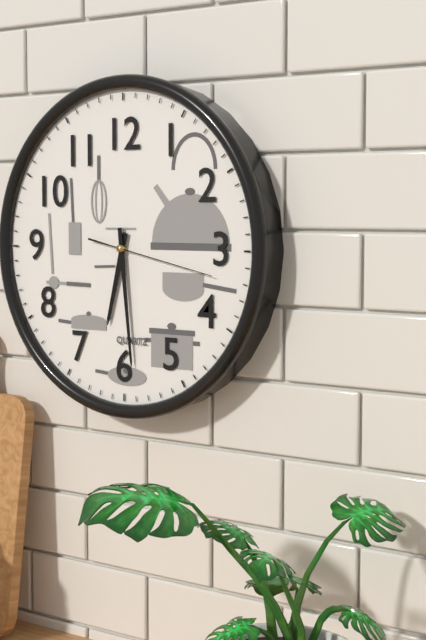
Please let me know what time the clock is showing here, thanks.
6:29:17
